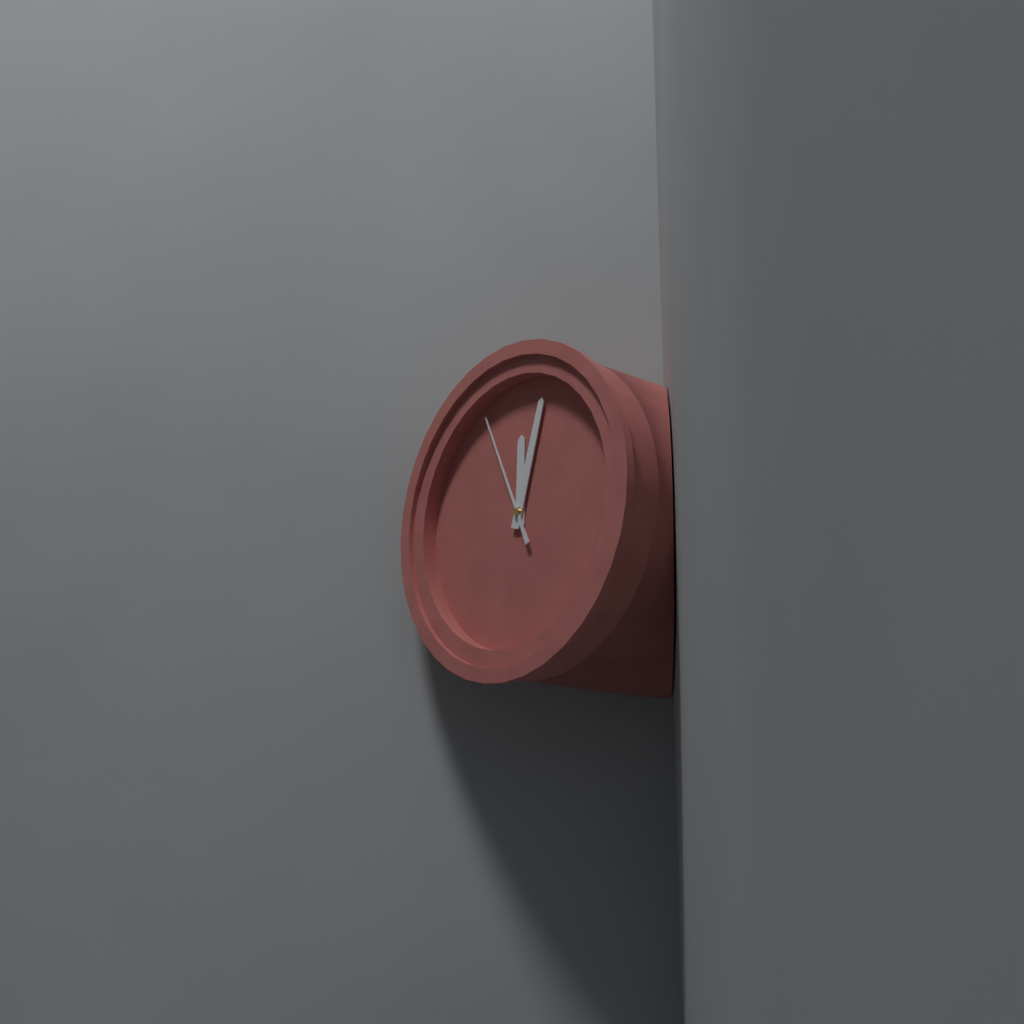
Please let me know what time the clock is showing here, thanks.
12:03:56
